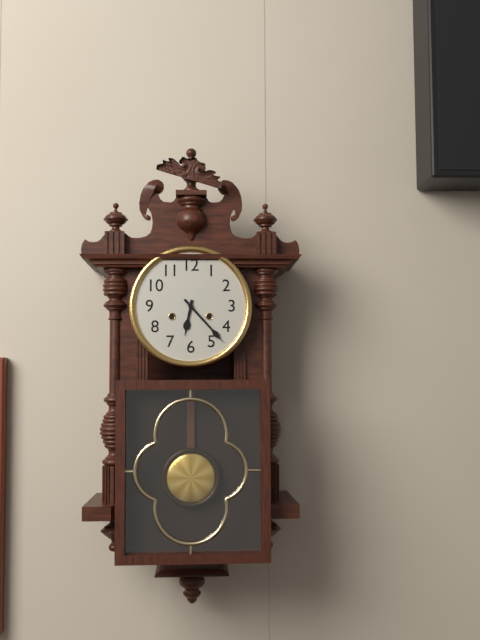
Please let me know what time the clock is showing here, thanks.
6:23
